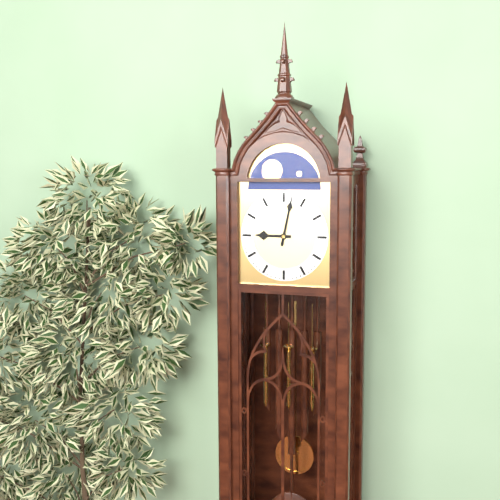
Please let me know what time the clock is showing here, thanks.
9:02
